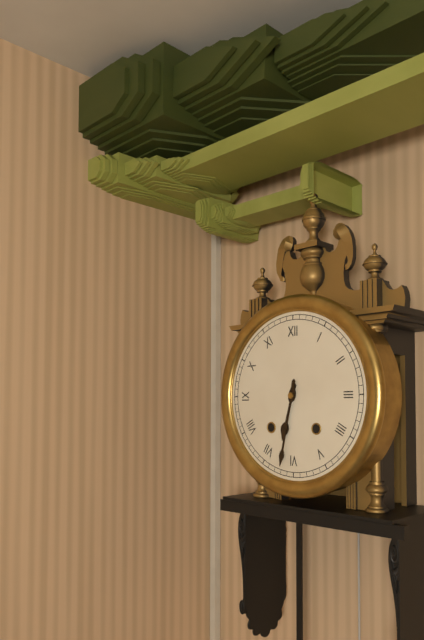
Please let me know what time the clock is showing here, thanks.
6:32
